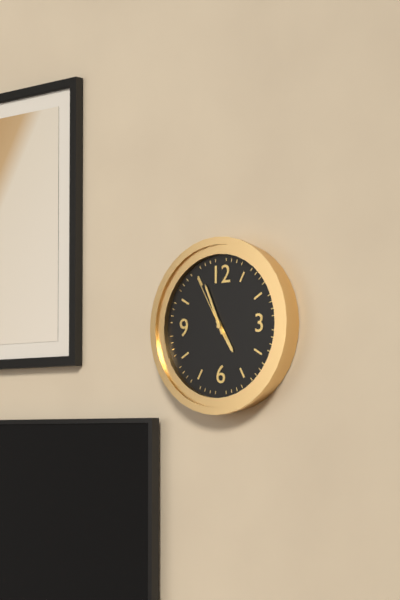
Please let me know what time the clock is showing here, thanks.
4:56:55
